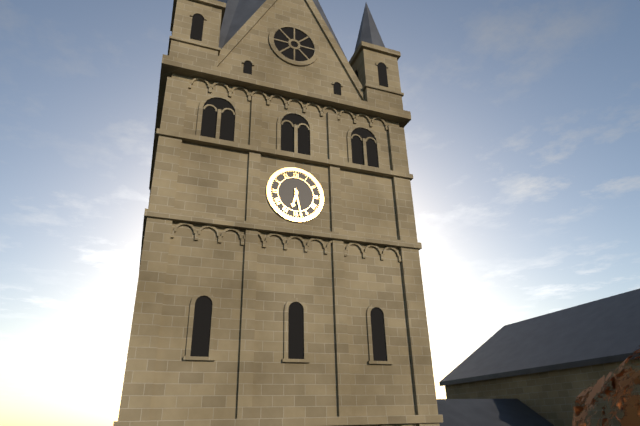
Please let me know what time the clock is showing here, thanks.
6:28
